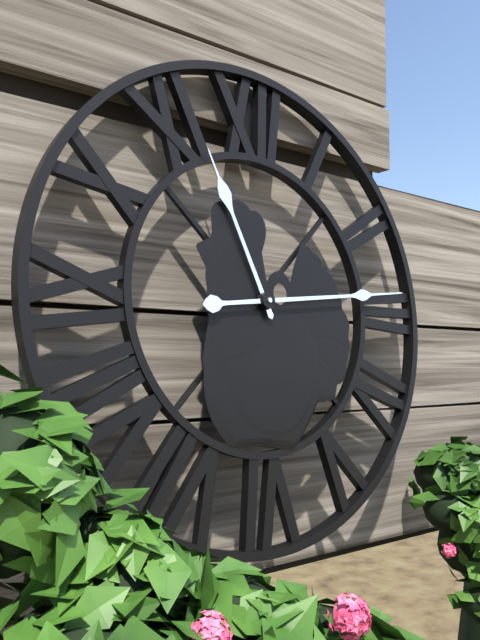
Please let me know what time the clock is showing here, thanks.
11:14
